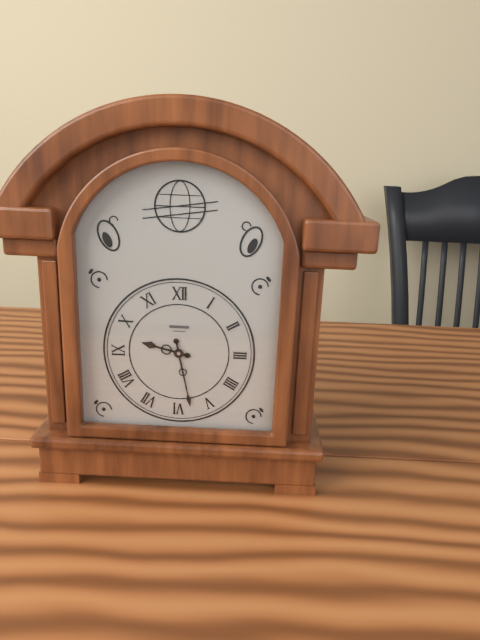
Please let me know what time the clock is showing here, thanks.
9:28
